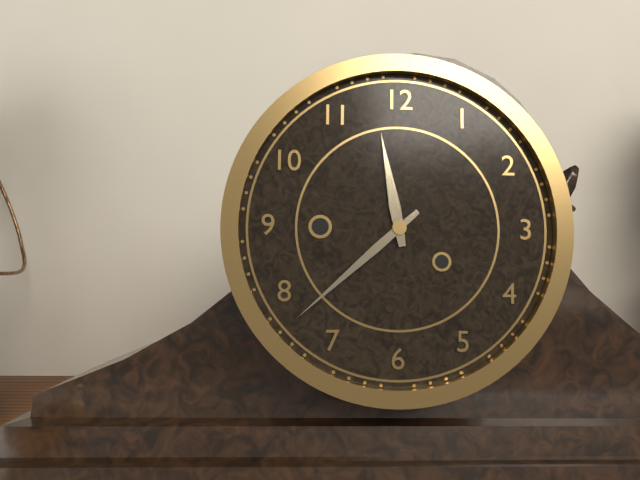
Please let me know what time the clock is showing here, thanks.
11:38
